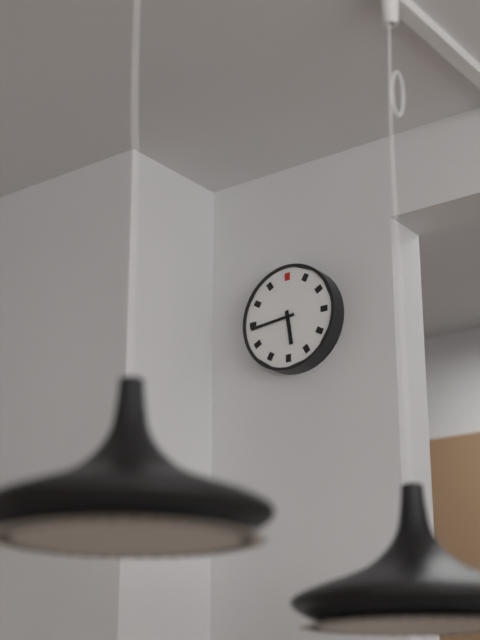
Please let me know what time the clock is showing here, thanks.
5:44
